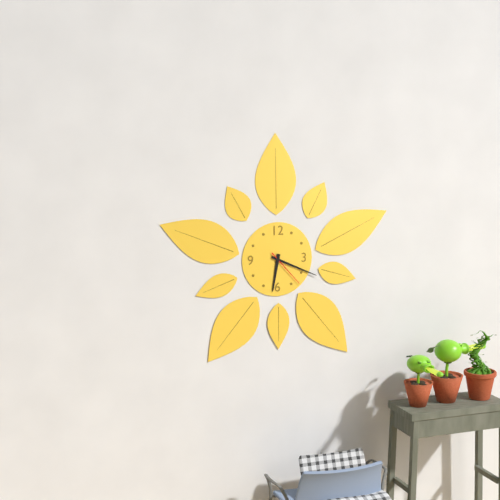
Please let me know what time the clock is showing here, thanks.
6:19
